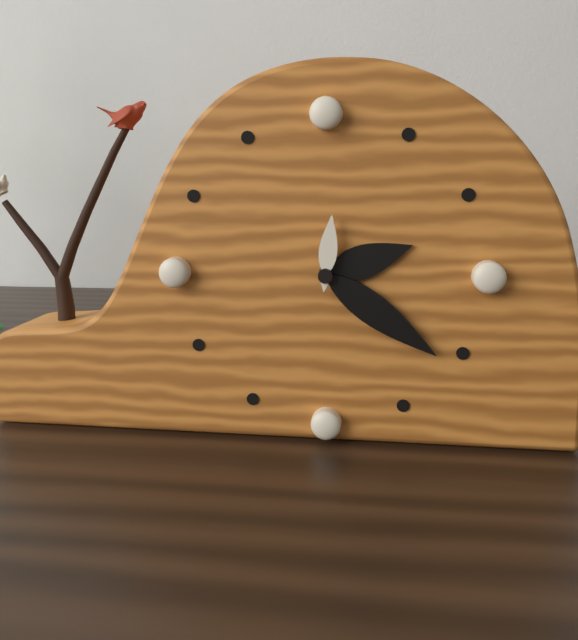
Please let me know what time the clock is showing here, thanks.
2:21:01
